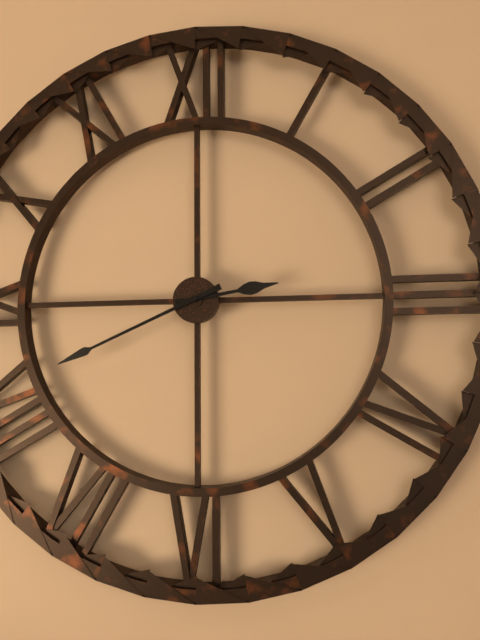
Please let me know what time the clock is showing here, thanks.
2:41
